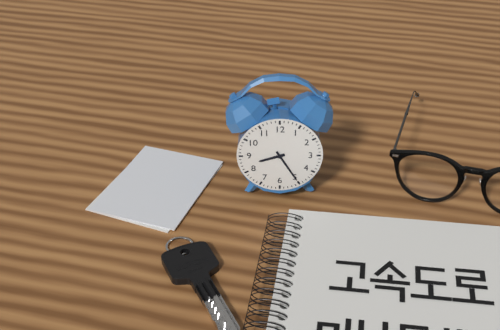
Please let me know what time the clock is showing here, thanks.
8:25
